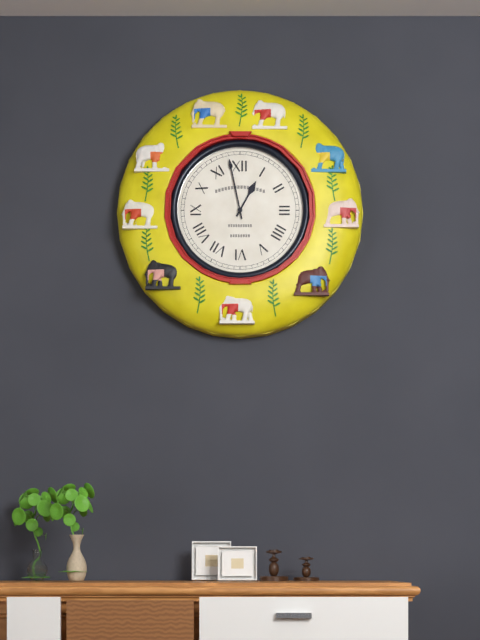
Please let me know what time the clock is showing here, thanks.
12:58
